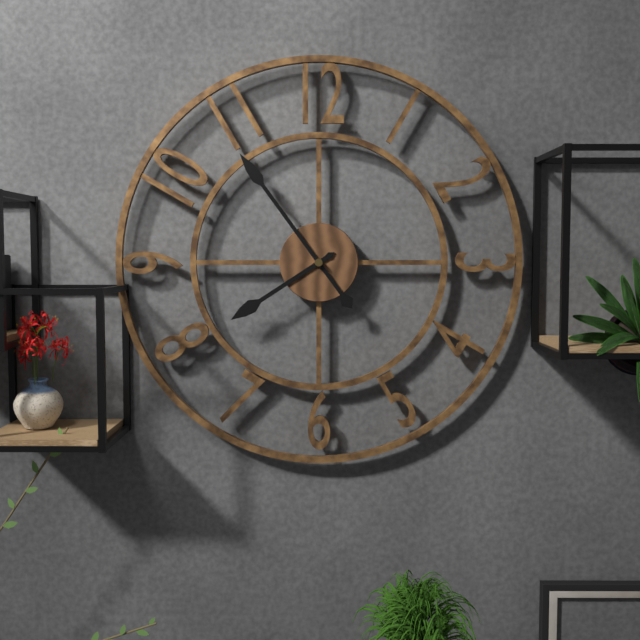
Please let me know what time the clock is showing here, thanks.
7:54
